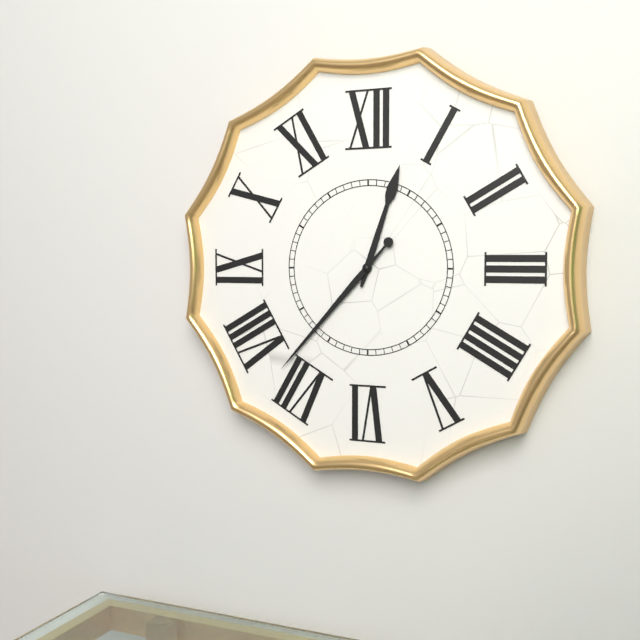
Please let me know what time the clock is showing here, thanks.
12:37
